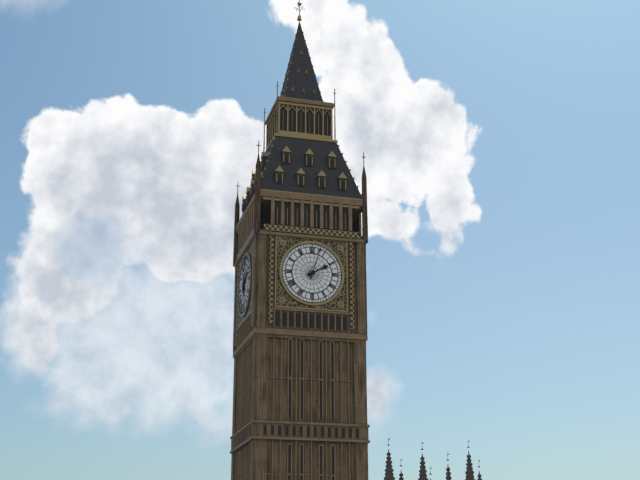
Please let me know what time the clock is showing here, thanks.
2:03
